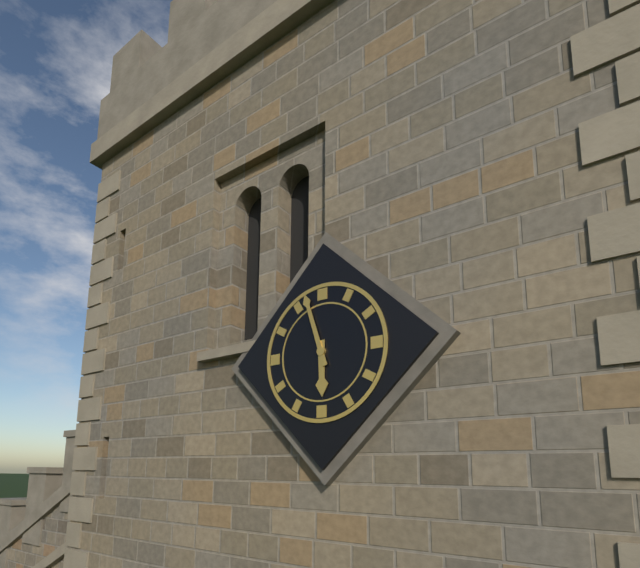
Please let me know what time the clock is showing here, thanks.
5:57
